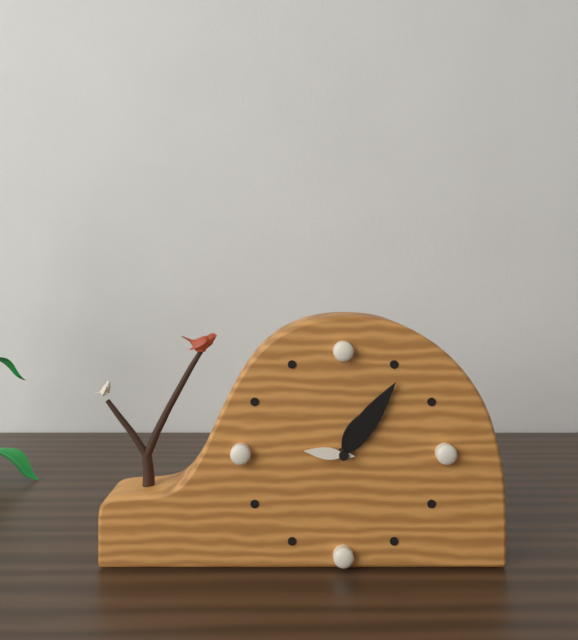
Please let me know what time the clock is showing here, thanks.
1:06:46
